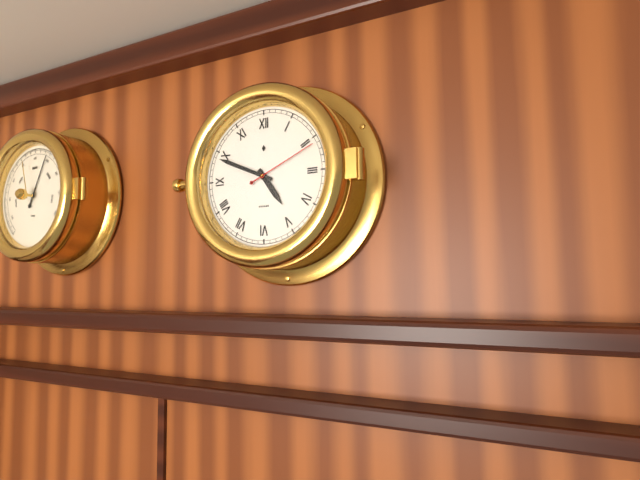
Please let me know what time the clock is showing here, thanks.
4:49:11
